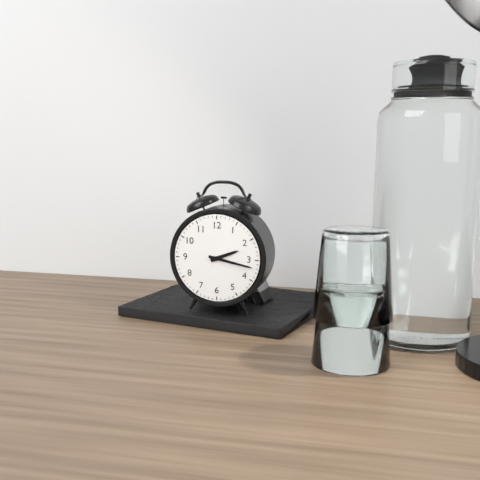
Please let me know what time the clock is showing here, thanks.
2:17
